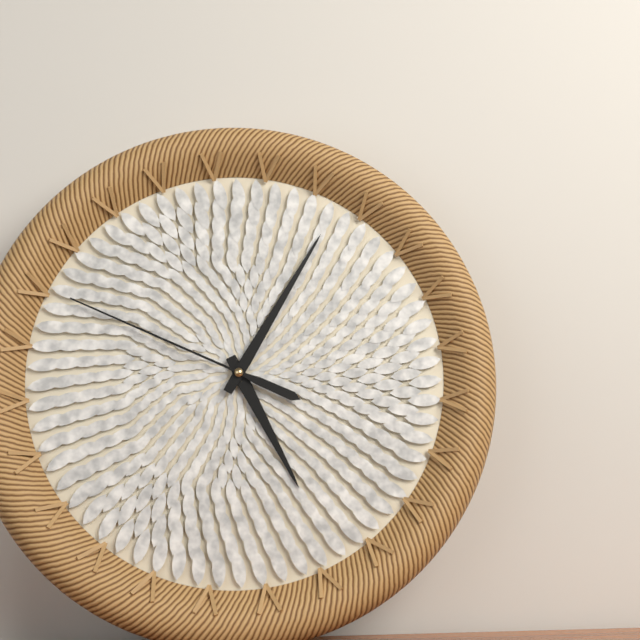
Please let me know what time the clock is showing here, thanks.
5:05:49
